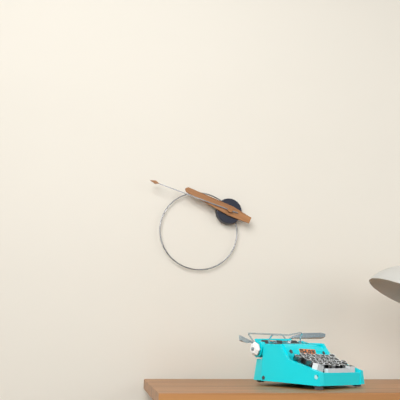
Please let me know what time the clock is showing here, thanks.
9:48
